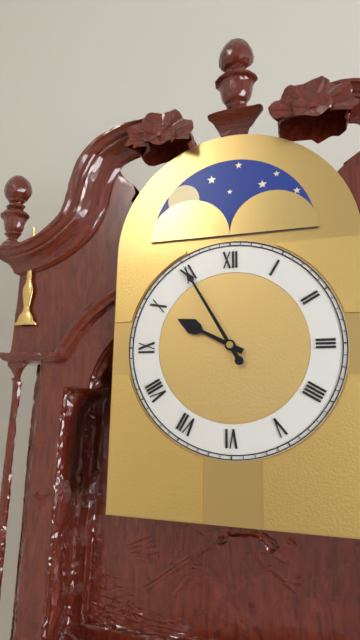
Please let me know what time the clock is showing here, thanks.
9:55
